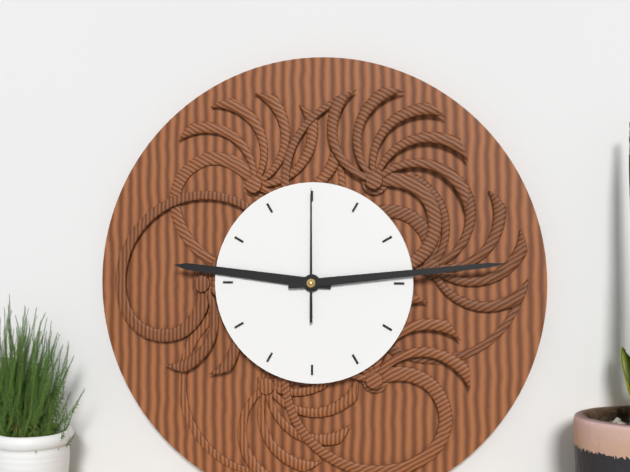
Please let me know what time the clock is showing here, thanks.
9:14:00
